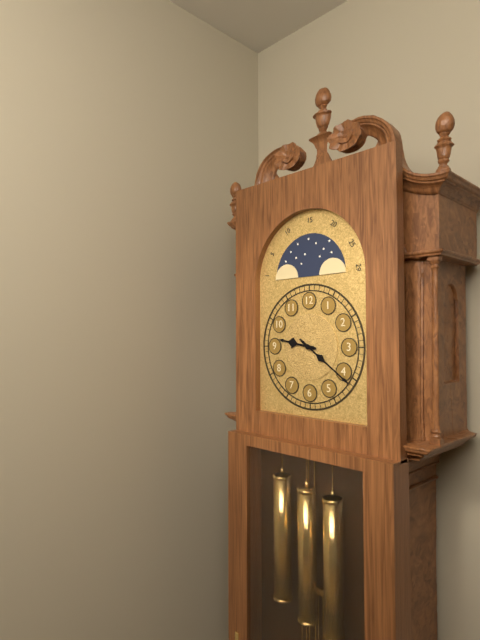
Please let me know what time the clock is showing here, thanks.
9:21
